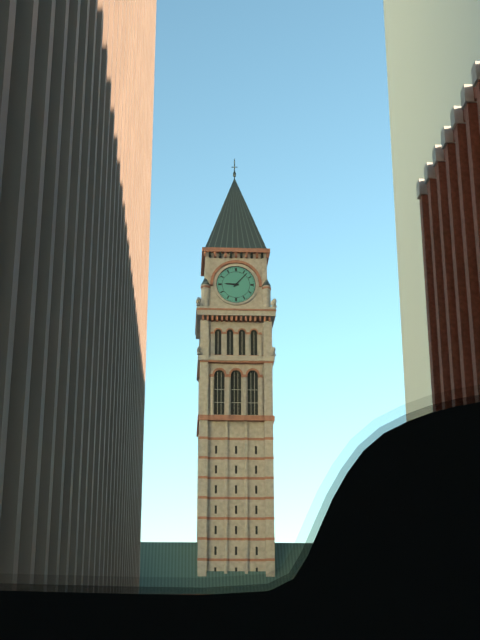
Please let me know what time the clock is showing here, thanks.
9:07
